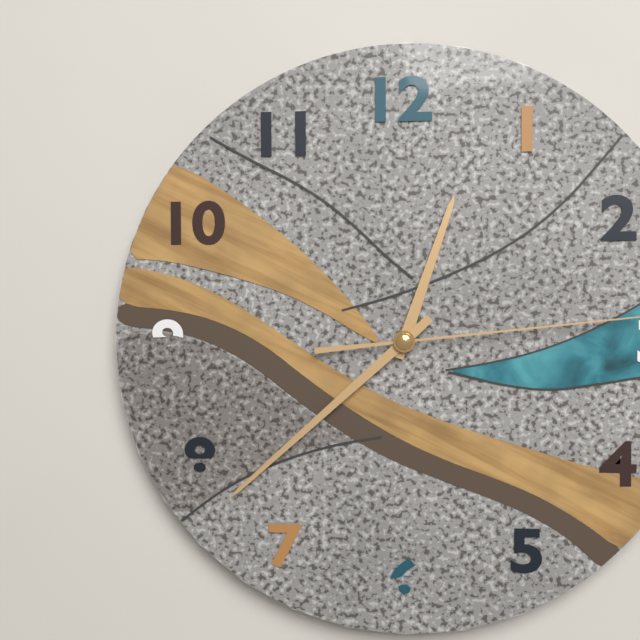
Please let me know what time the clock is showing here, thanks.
12:38:14
